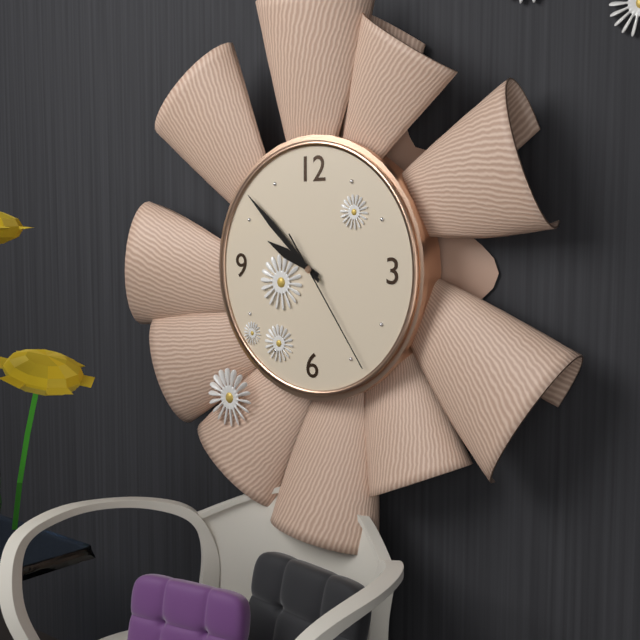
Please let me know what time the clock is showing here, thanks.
9:52:24
